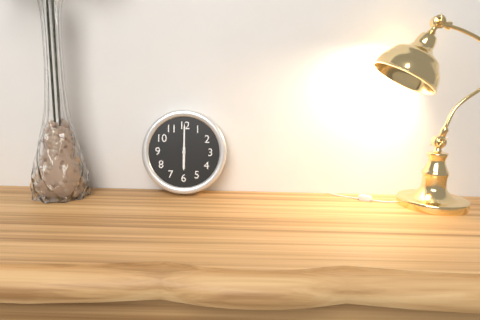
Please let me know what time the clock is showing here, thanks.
6:00
